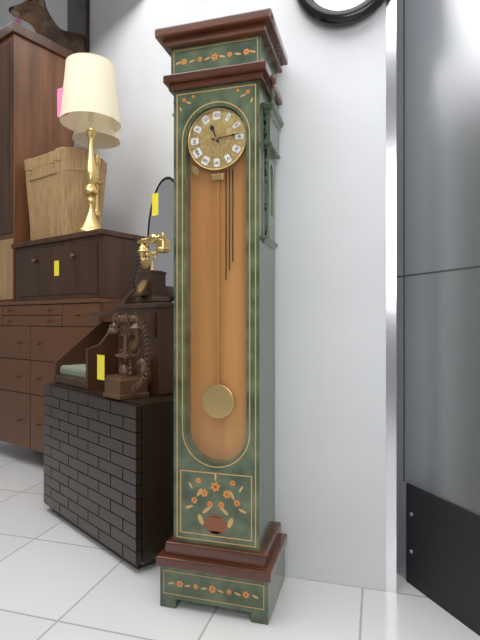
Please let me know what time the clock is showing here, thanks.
11:14
